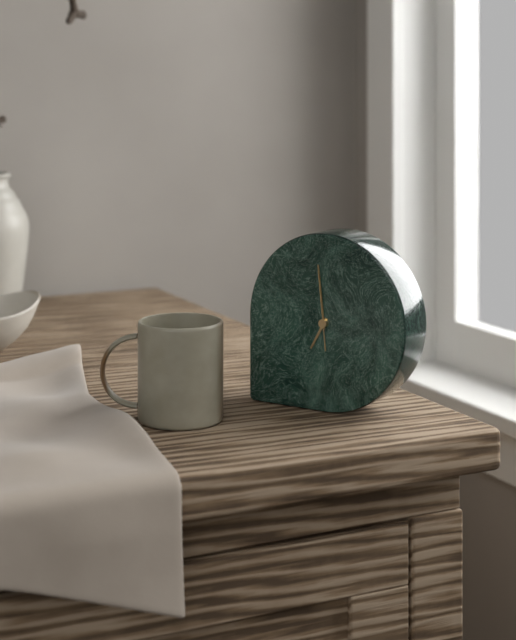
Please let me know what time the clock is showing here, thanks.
6:59:59
